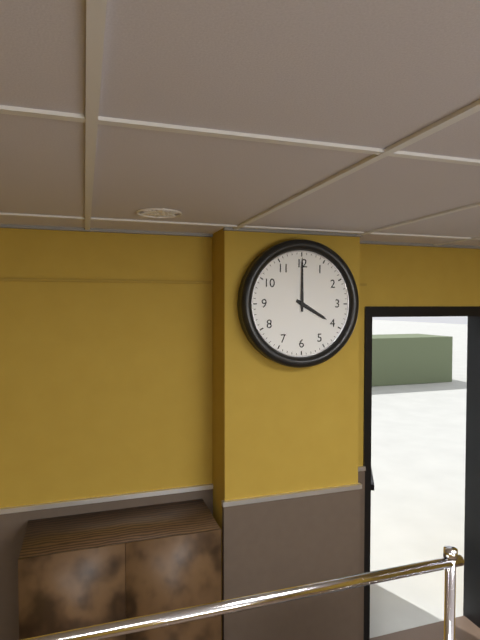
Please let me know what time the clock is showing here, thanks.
4:00
